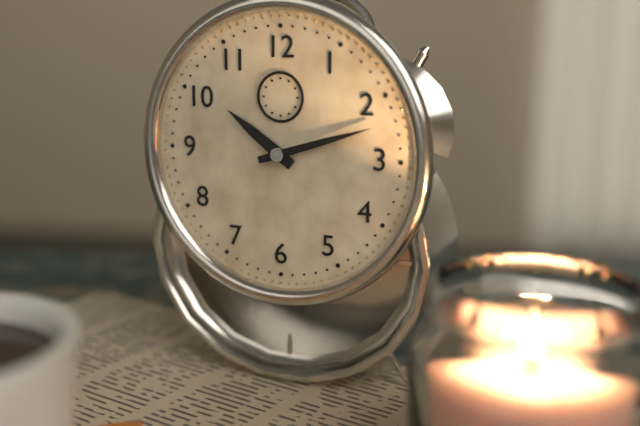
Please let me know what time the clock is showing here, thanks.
10:12
